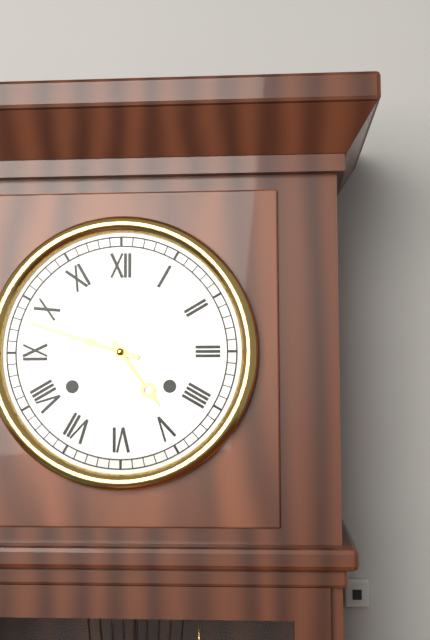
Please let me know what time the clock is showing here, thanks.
4:48
